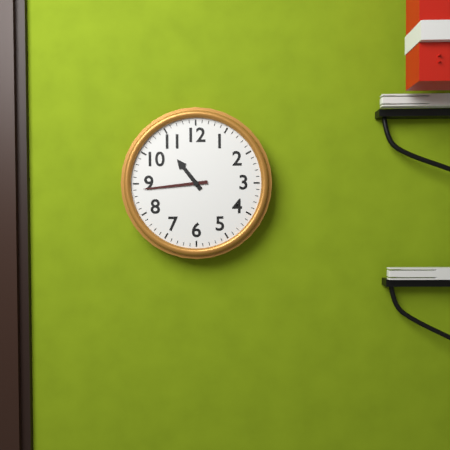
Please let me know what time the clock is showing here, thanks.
10:44
